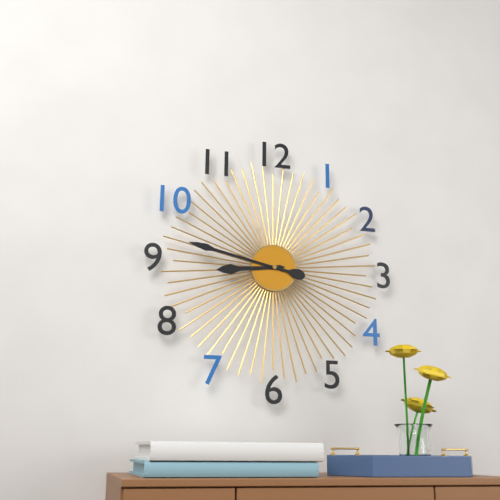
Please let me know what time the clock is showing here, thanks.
8:47
